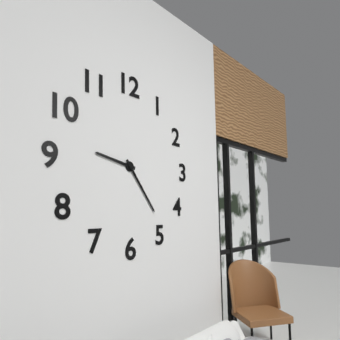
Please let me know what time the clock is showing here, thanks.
9:24
